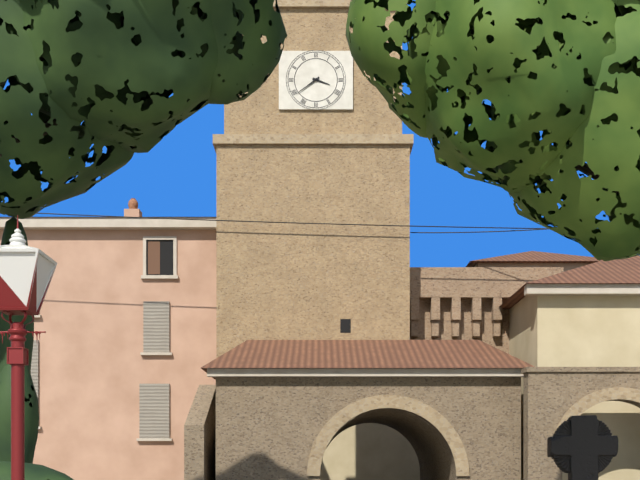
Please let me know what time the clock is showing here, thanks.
3:39
